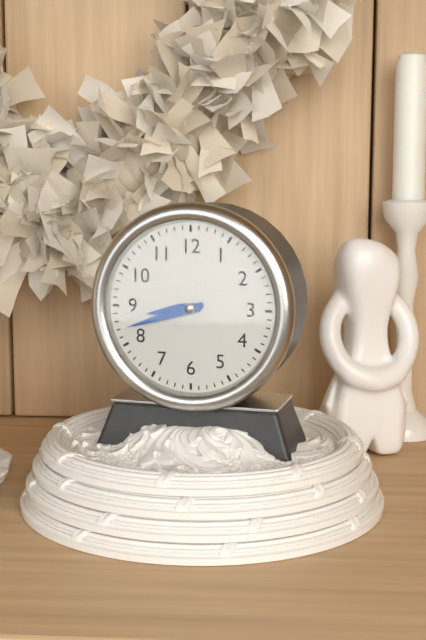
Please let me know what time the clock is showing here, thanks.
8:42
